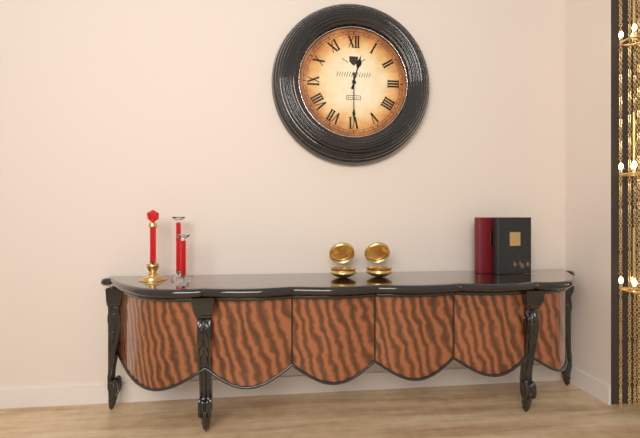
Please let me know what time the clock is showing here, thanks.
12:30
